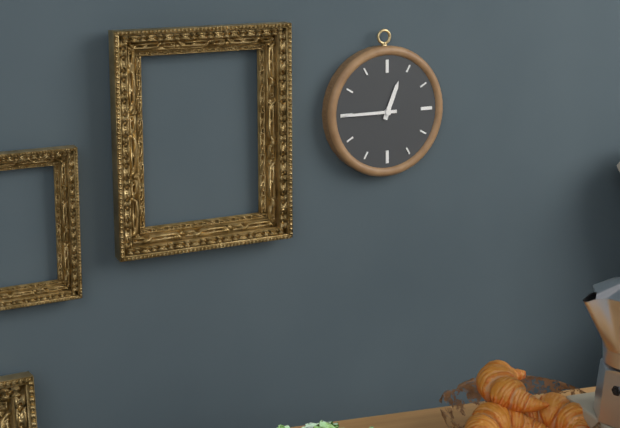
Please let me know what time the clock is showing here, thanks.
12:45
